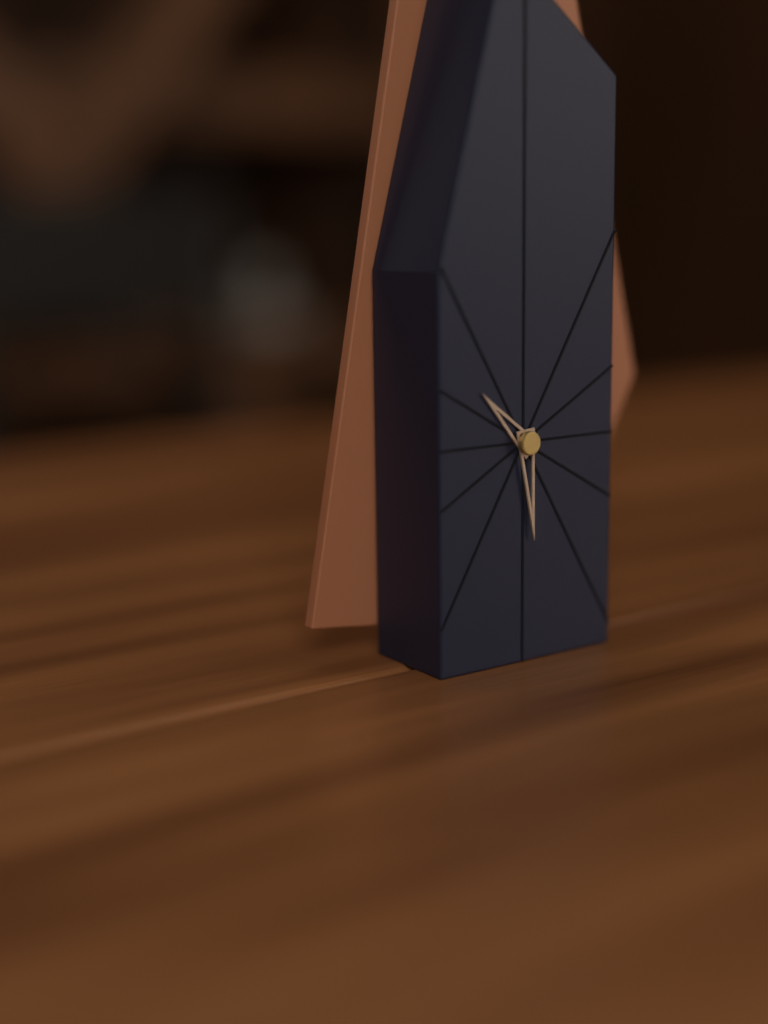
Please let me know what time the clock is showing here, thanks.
10:29
